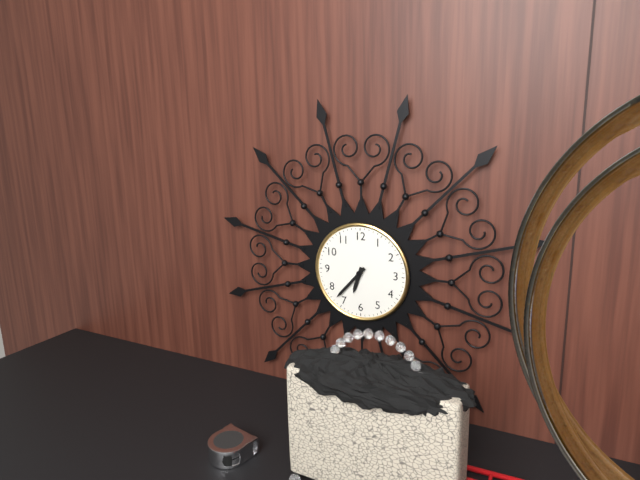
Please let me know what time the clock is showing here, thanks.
6:37
